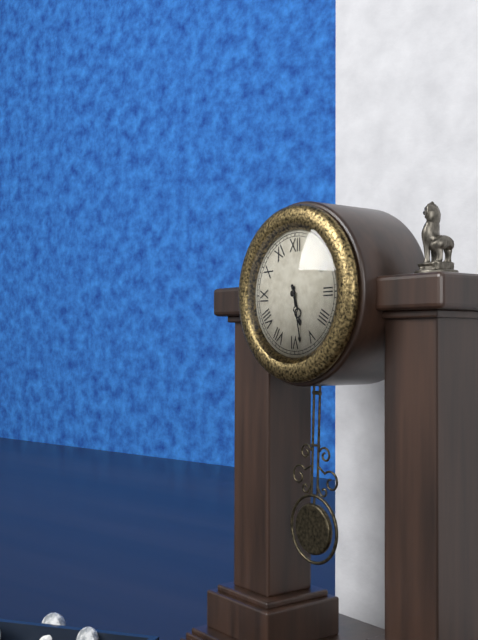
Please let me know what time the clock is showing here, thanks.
5:28
